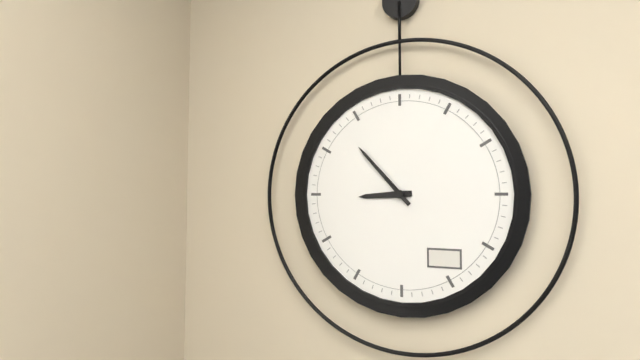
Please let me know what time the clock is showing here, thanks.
8:53
